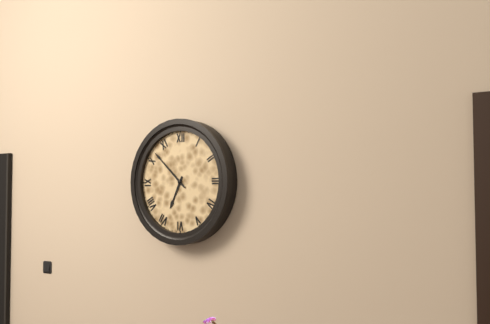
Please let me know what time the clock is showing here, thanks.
6:52
